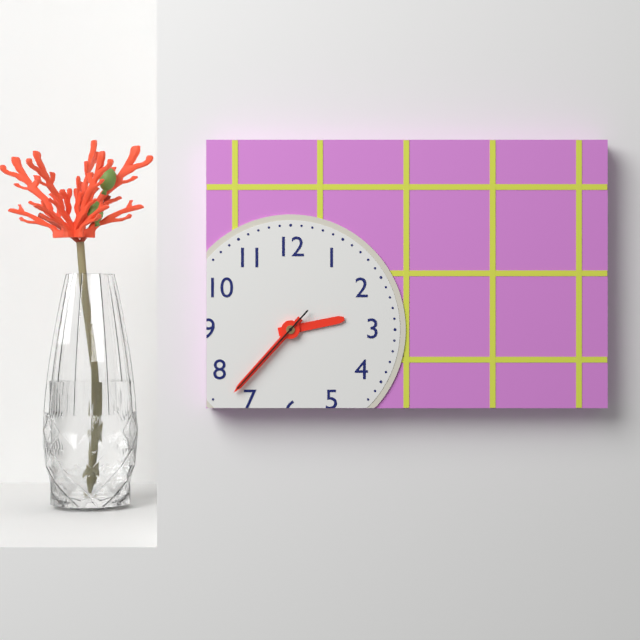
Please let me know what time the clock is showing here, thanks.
2:37:37
